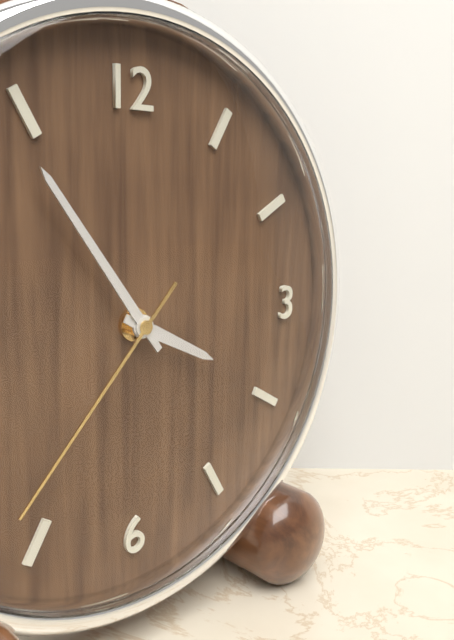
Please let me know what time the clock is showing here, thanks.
3:54:37
